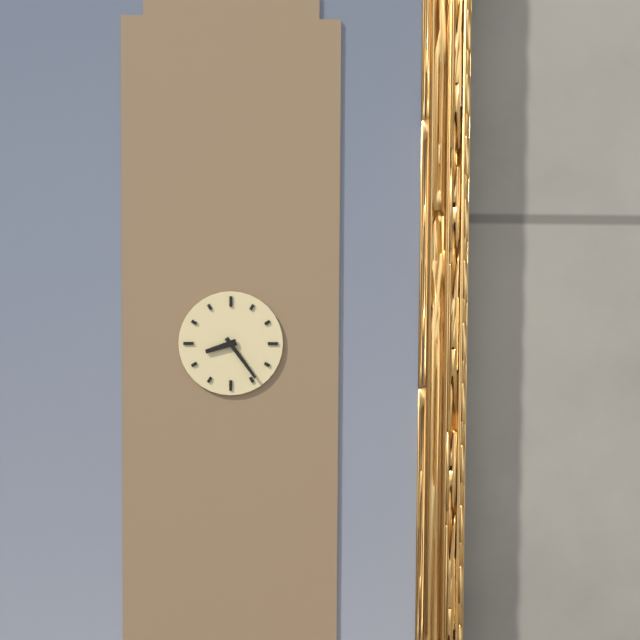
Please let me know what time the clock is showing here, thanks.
8:24
